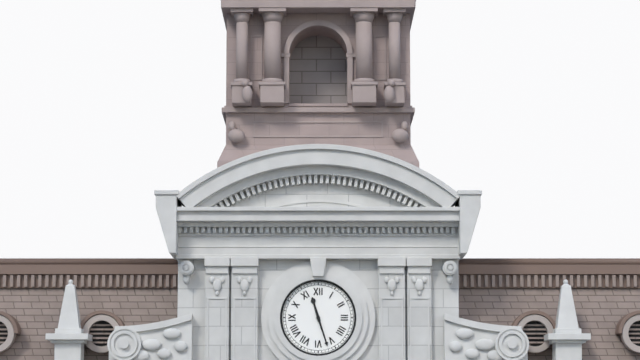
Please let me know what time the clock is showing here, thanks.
11:27
